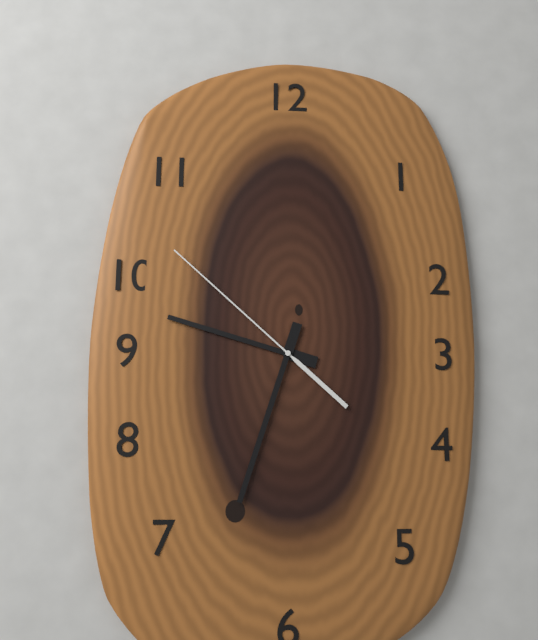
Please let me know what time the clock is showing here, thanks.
9:33:52
